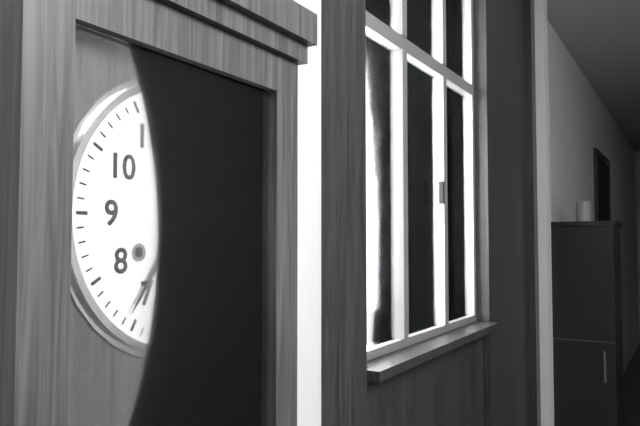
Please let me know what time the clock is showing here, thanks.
6:36
